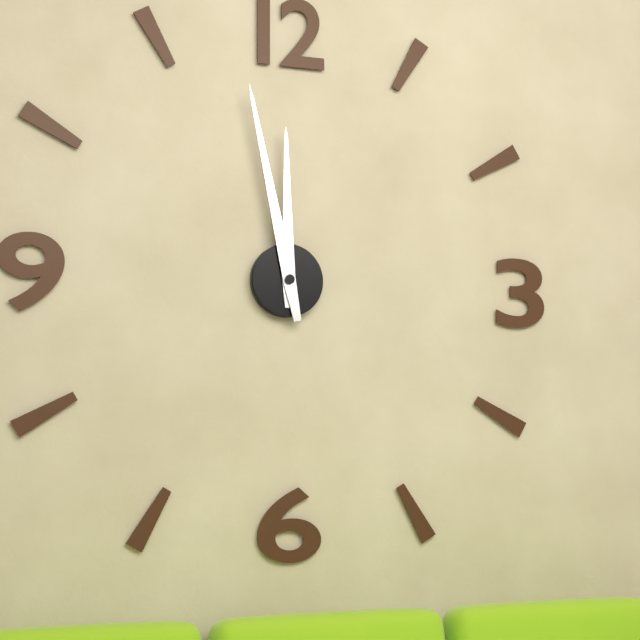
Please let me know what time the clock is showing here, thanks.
11:58
